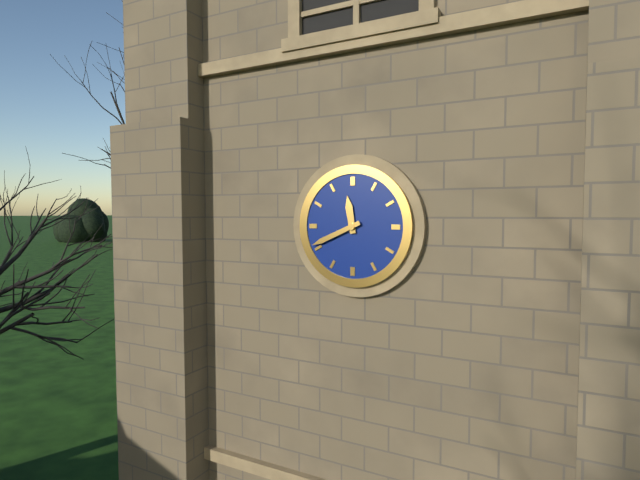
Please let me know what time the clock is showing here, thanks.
11:41
